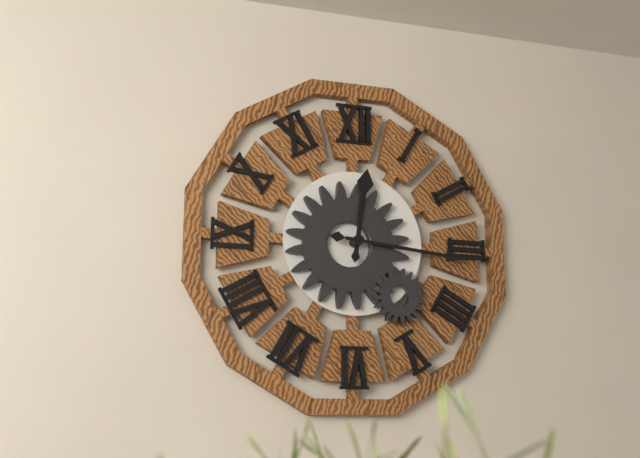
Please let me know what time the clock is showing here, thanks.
12:16
